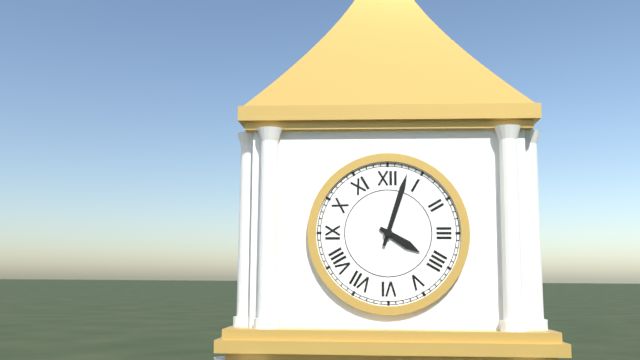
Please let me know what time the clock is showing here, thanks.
4:03
